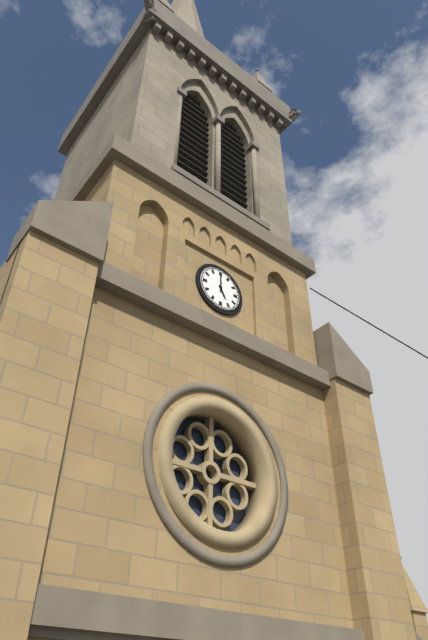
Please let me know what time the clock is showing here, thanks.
5:00
